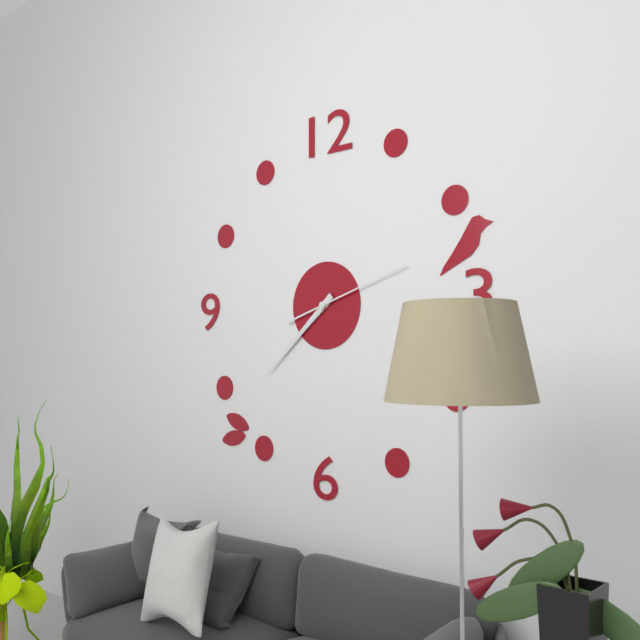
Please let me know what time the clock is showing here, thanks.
7:38:12
